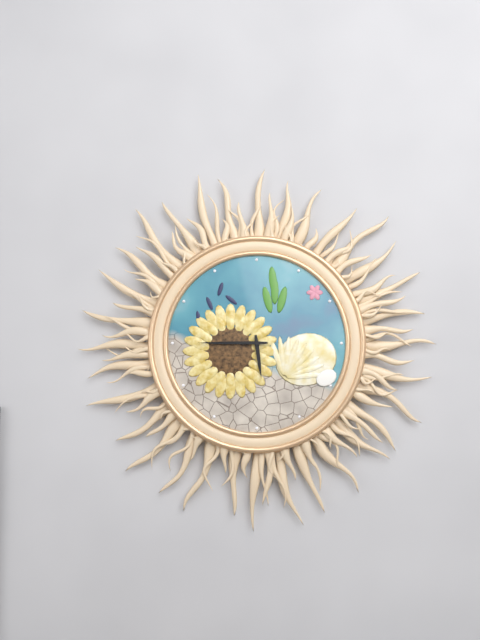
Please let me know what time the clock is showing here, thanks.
5:45
